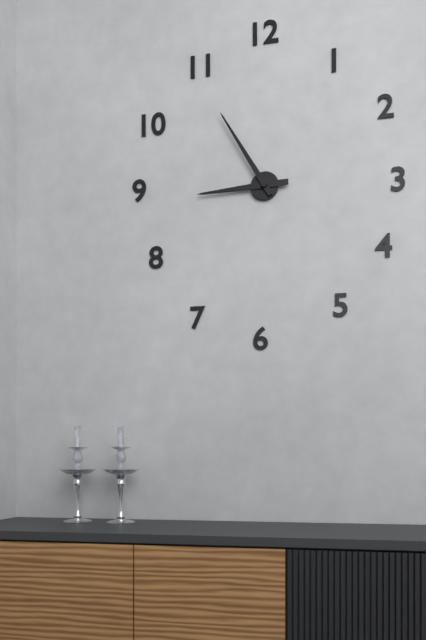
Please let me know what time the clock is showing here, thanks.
8:55
